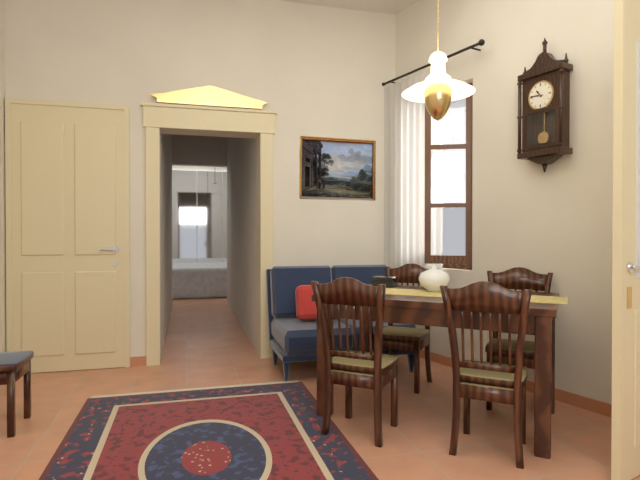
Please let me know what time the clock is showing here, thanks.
10:46
